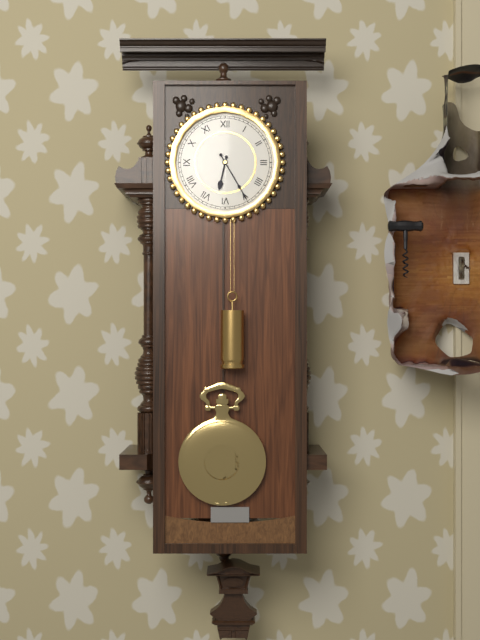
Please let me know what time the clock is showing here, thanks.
6:25
